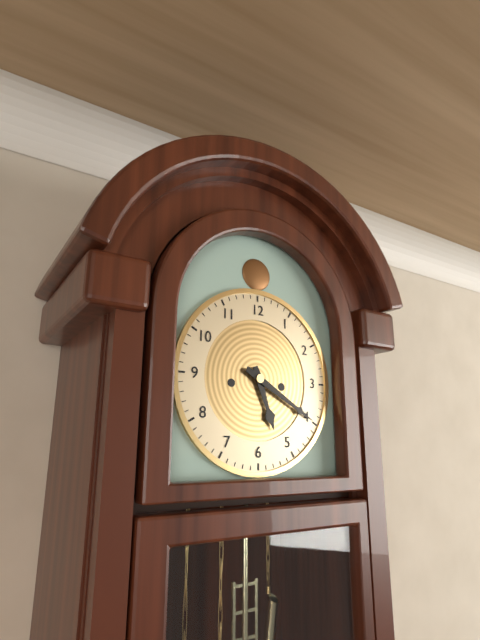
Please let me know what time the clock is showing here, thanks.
5:20
